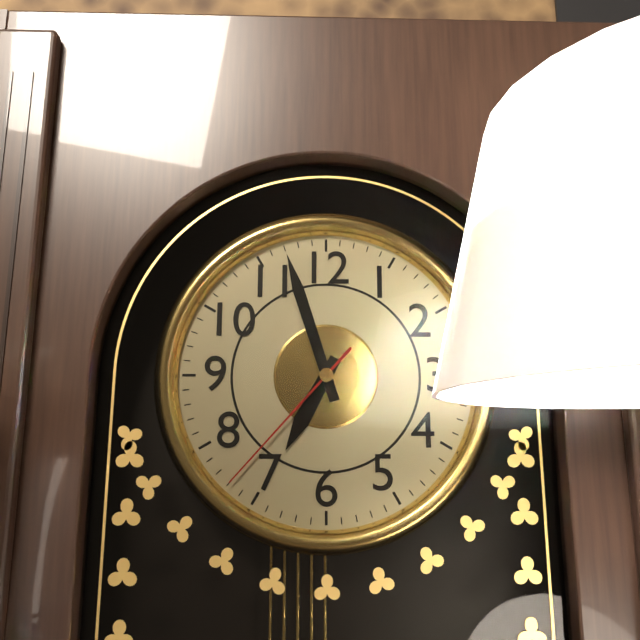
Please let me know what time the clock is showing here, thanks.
6:57:37
